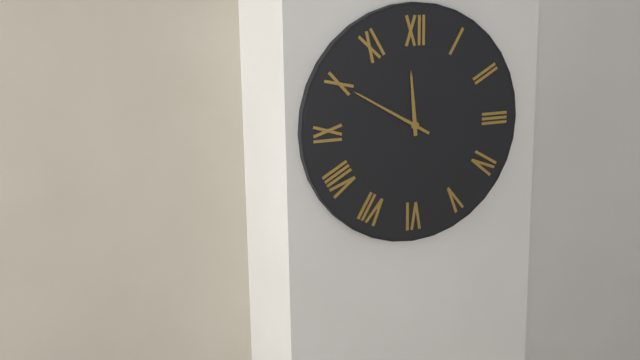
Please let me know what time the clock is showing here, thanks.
11:50
